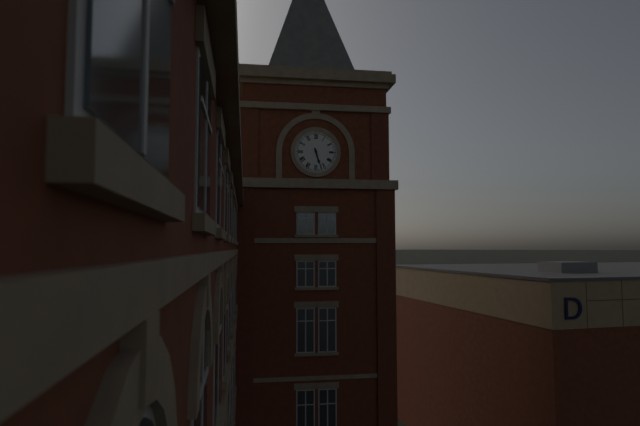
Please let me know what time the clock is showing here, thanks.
5:27
